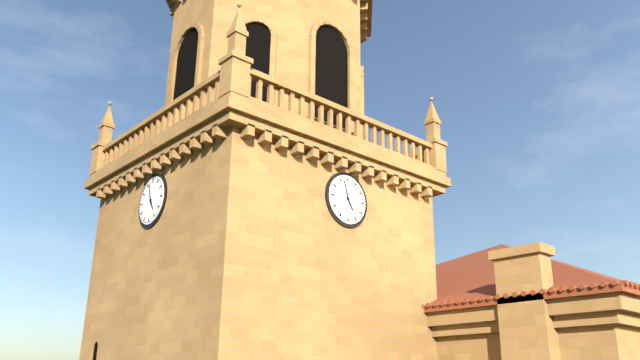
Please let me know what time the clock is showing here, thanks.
4:57
